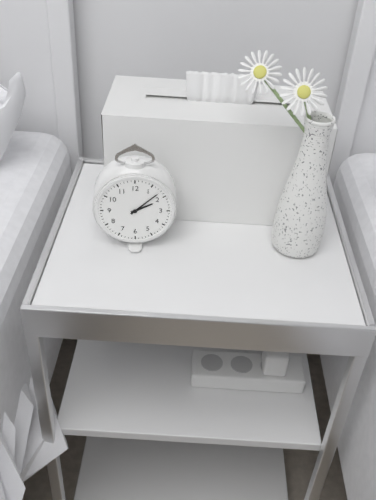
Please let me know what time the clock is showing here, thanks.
2:08
